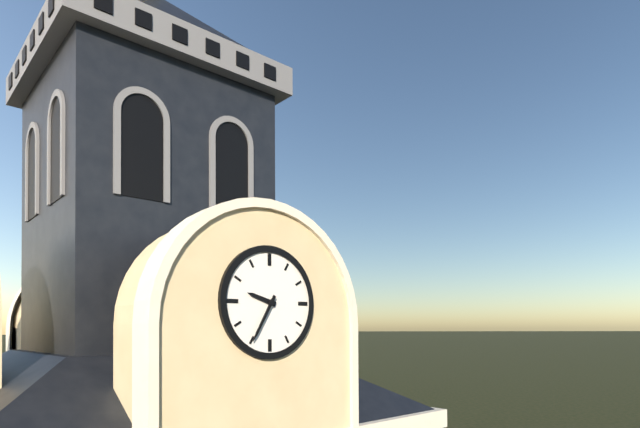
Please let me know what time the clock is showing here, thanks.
9:35
